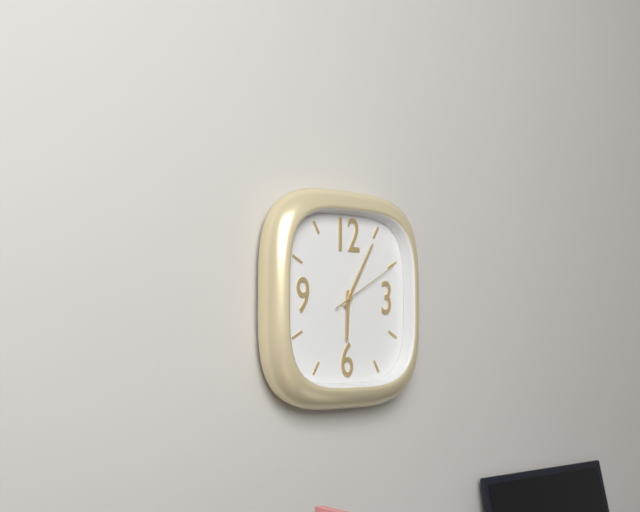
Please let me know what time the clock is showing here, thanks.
6:05:10
